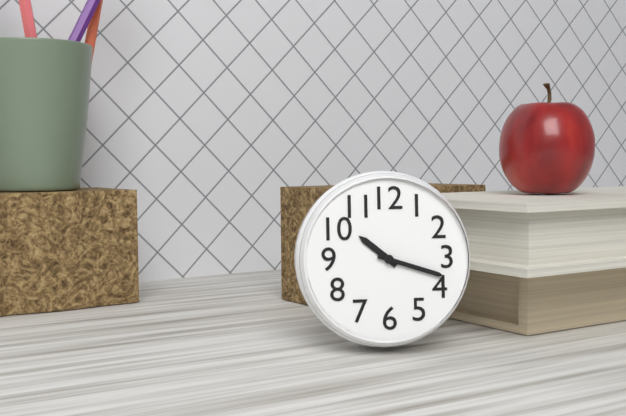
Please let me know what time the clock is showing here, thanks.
10:18
